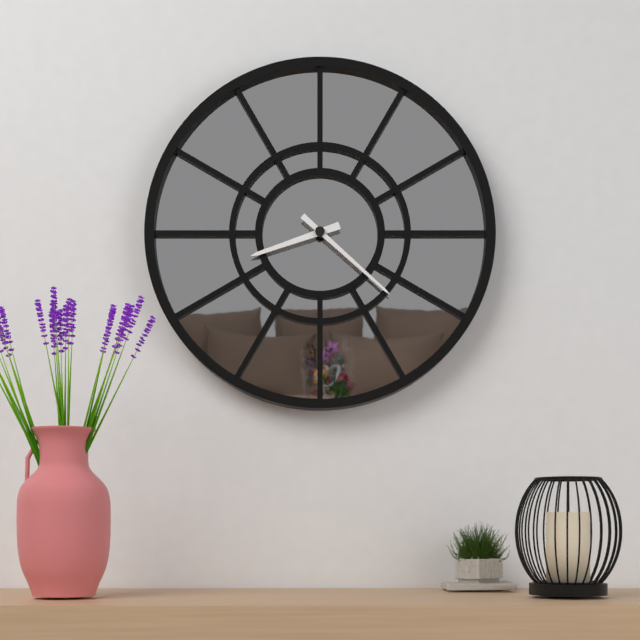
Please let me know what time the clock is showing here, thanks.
8:22
